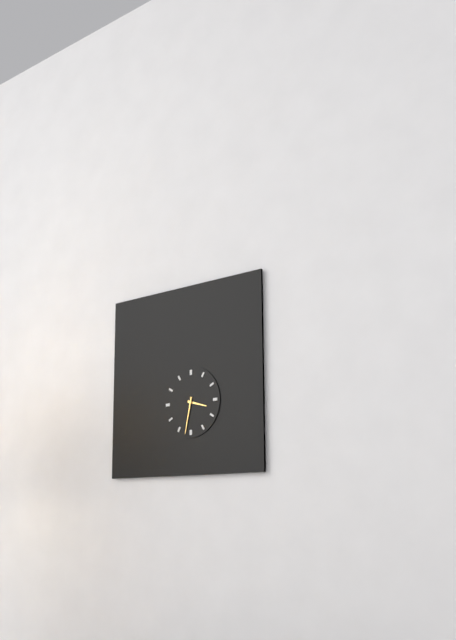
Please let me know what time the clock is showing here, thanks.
3:32
